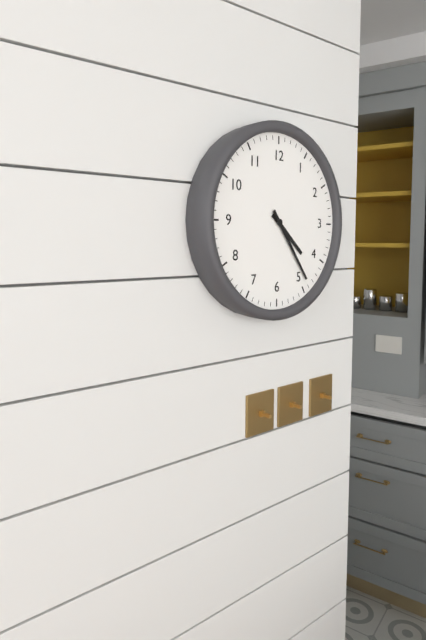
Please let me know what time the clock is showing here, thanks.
4:24
